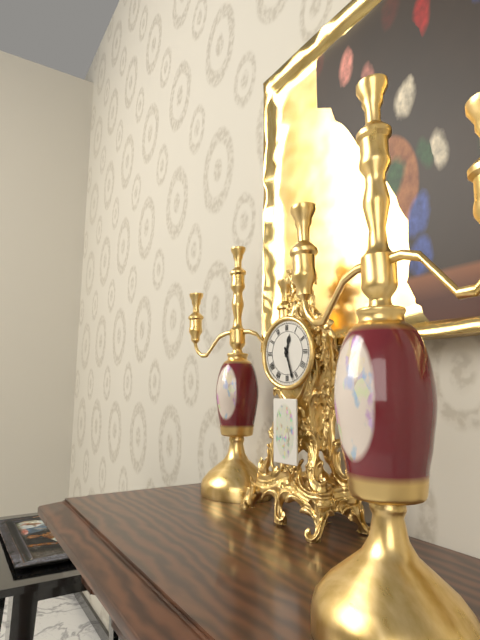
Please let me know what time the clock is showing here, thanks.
12:27
